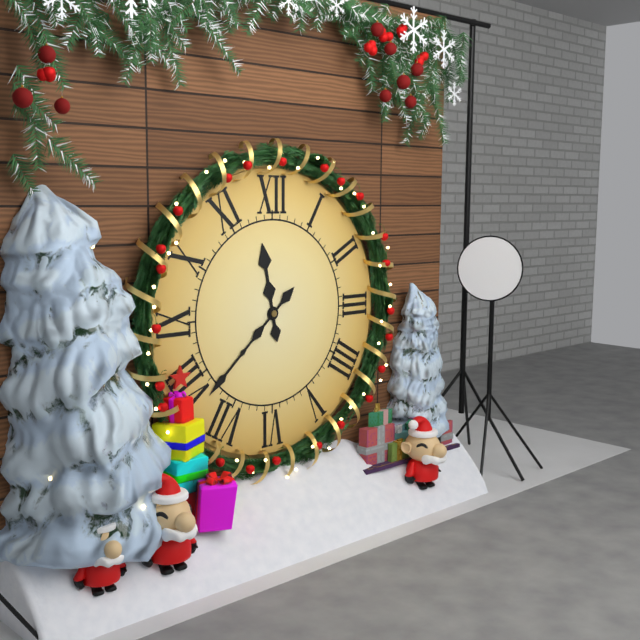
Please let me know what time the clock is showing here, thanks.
11:38
